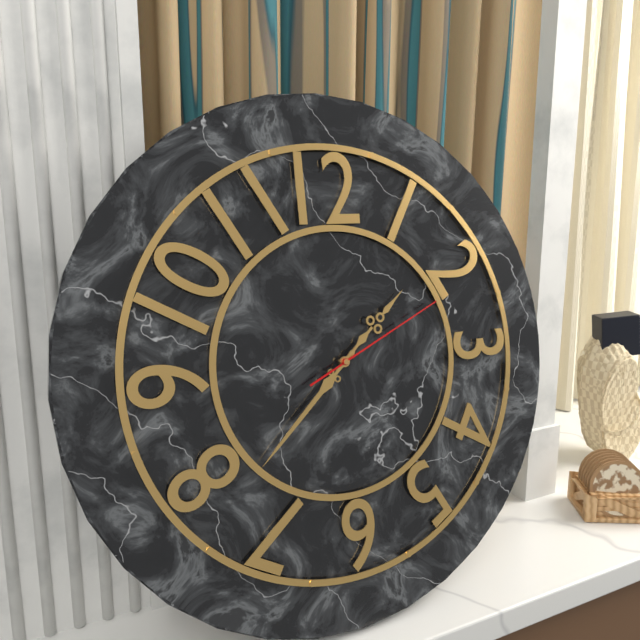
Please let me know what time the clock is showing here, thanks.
1:38:11
